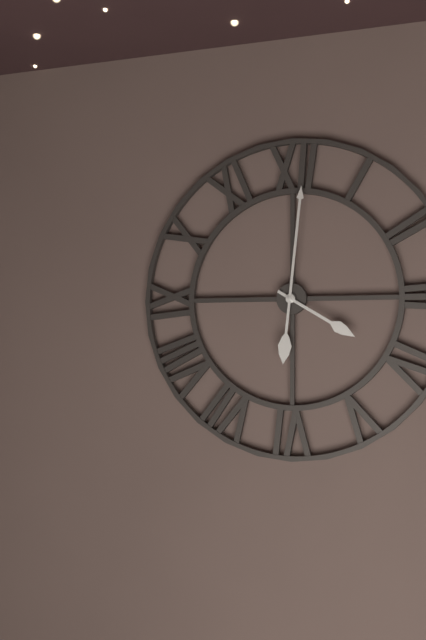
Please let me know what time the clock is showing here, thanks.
4:01
